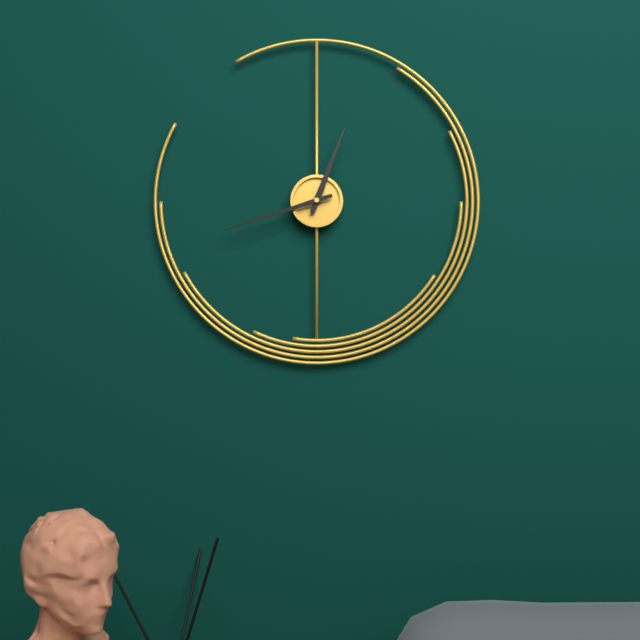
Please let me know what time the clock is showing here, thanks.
12:42
